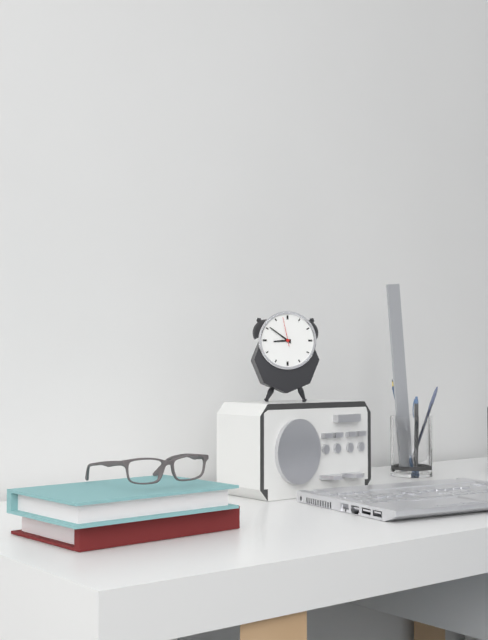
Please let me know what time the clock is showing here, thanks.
8:51
